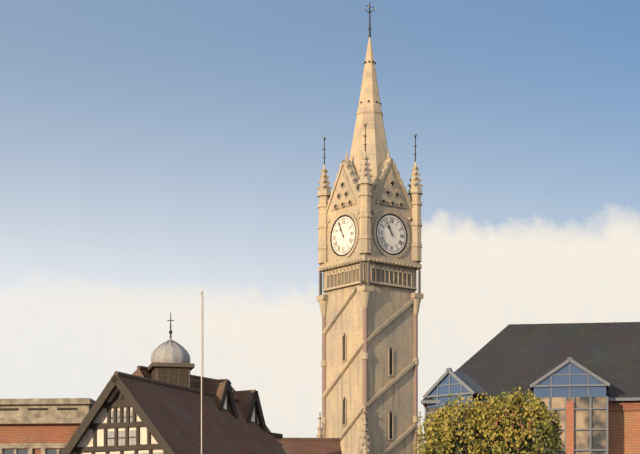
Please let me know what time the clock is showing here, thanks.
10:56
